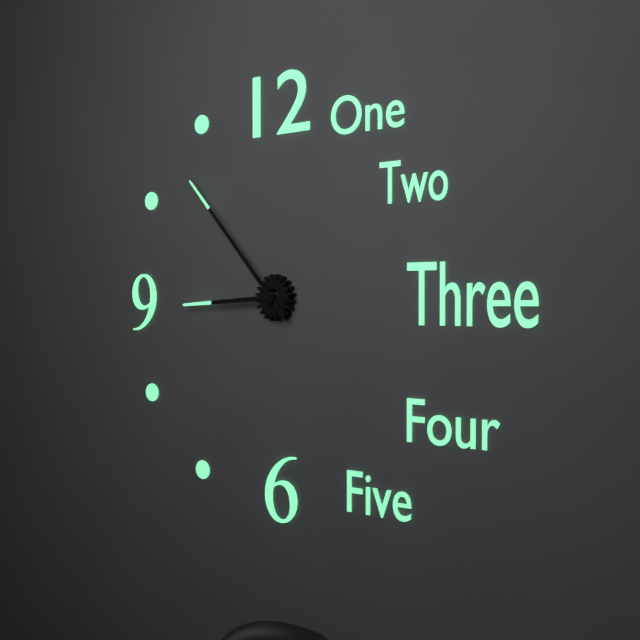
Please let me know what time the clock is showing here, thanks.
8:53
